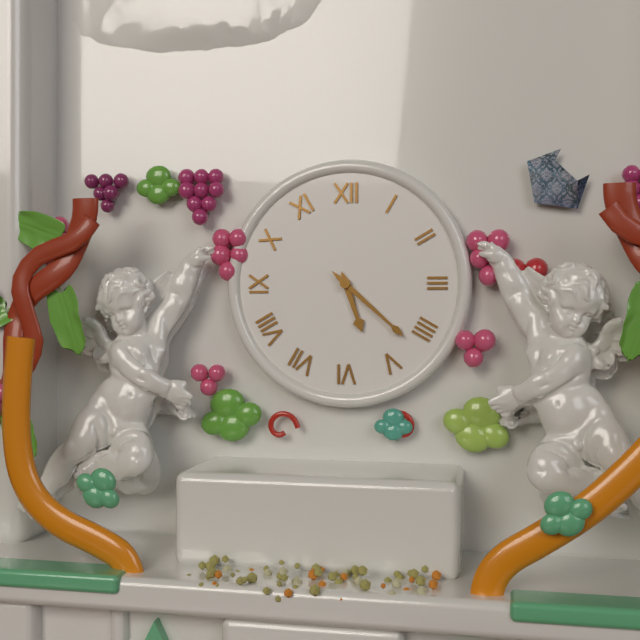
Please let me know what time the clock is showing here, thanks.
5:22
